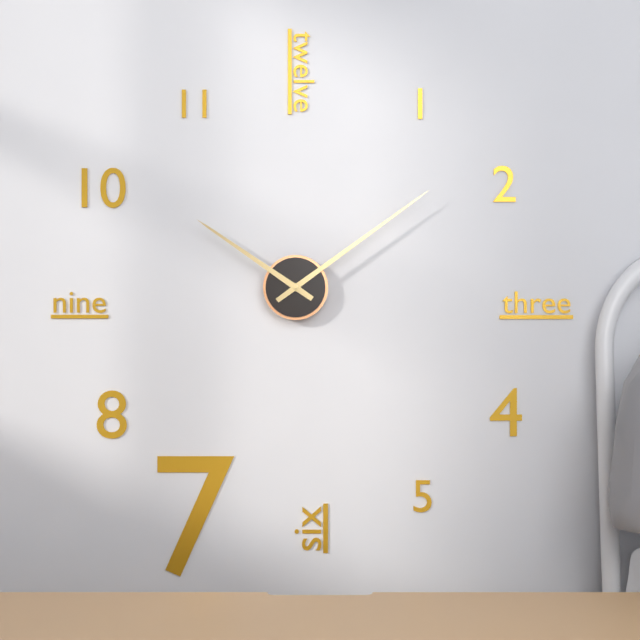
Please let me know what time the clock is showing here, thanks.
10:09
